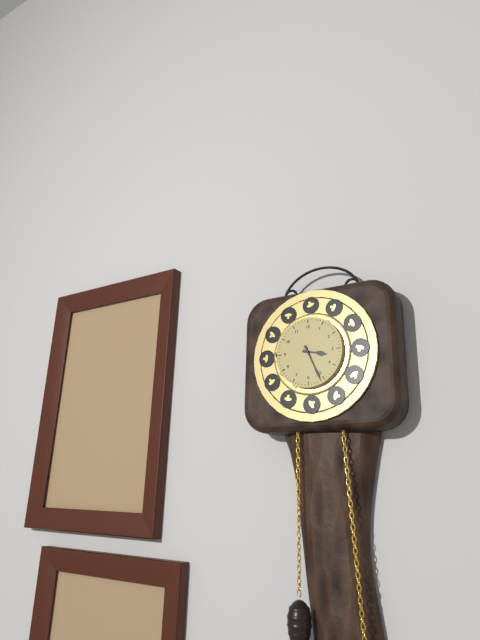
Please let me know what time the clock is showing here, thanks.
3:26
